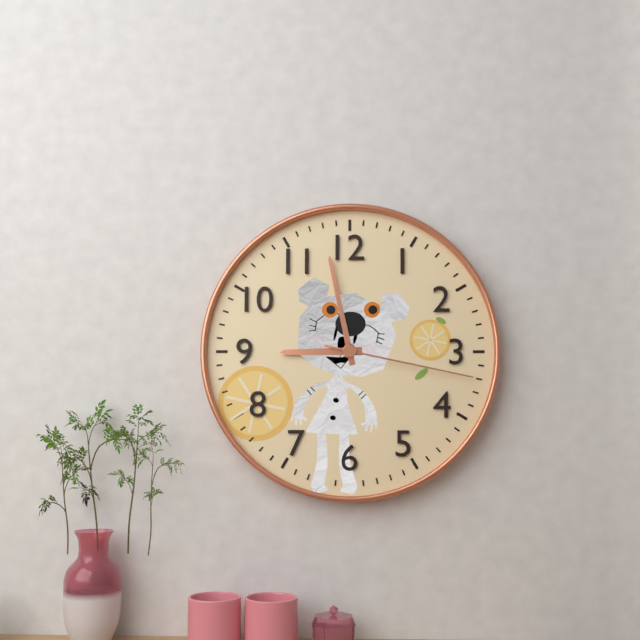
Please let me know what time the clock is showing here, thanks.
8:58:17
